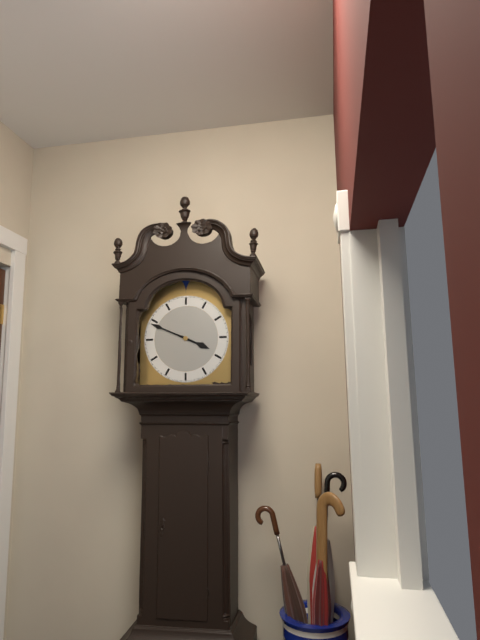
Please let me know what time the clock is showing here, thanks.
3:49
